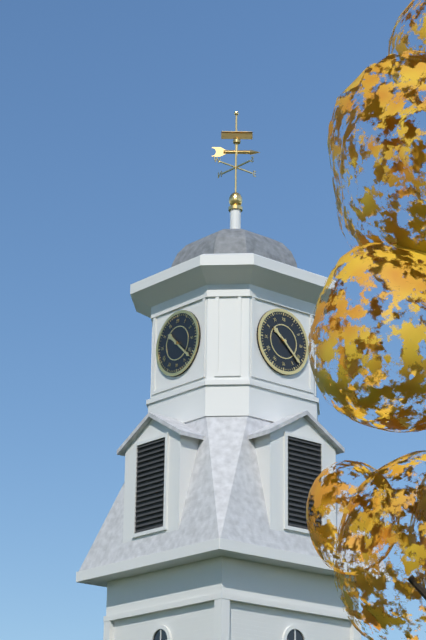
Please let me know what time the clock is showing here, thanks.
10:22
